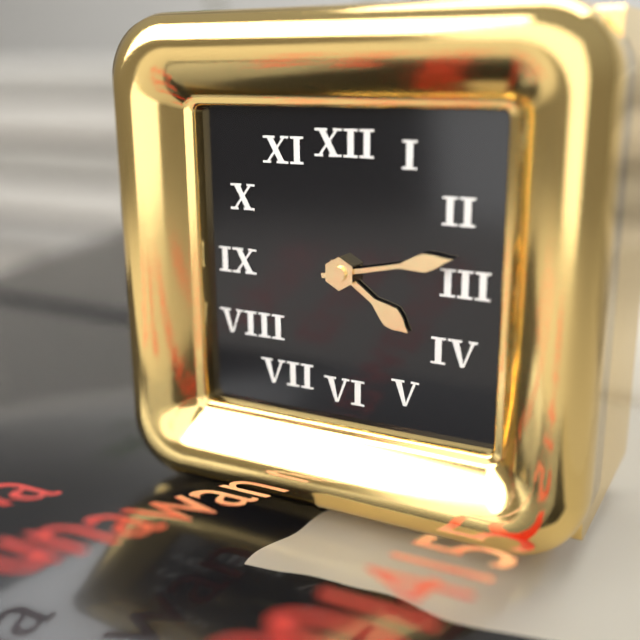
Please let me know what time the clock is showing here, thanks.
4:13
